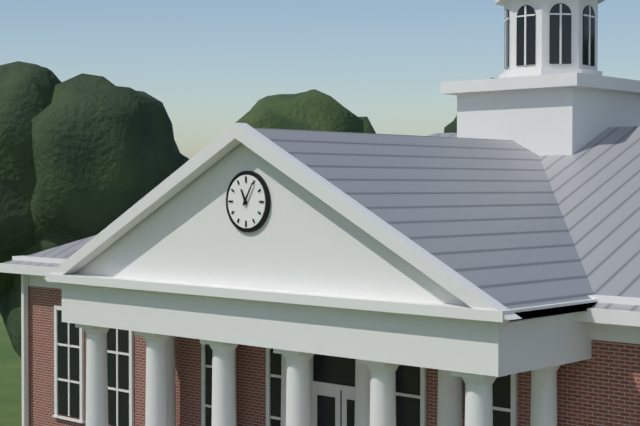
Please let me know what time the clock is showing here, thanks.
11:05
